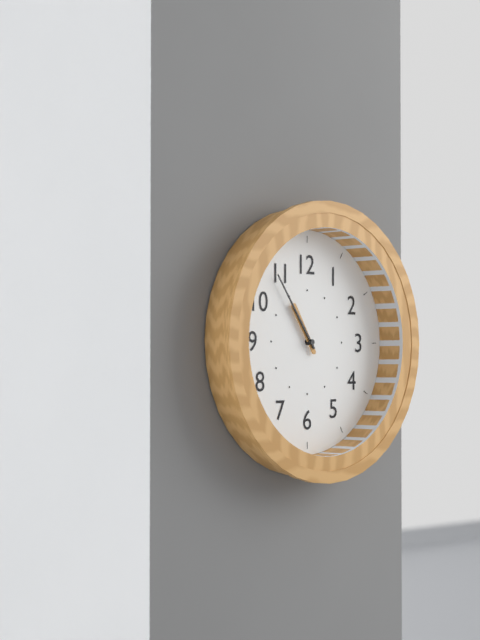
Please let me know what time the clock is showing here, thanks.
10:54
